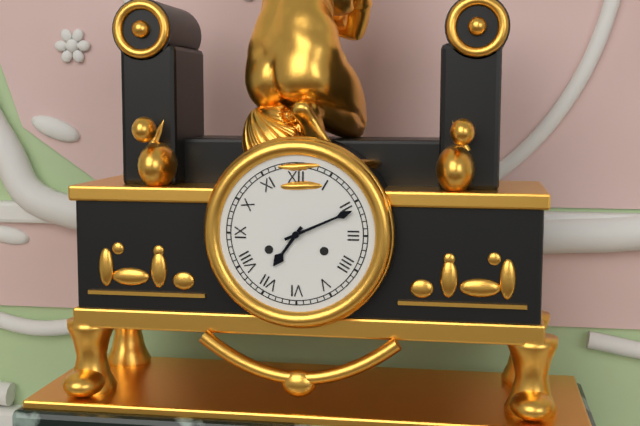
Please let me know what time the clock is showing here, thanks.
7:11
